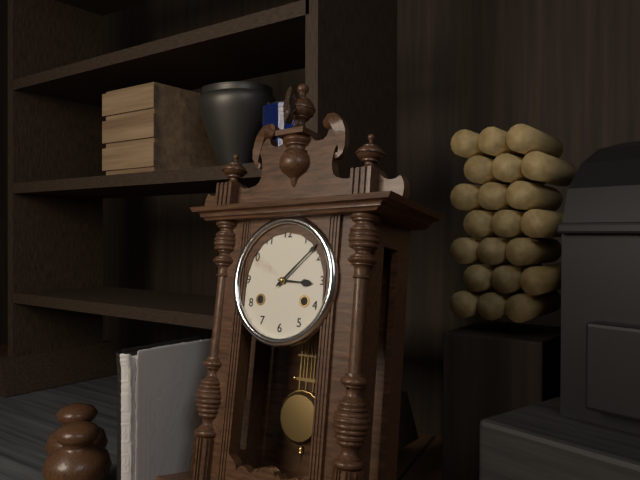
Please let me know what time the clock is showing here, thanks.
3:08
